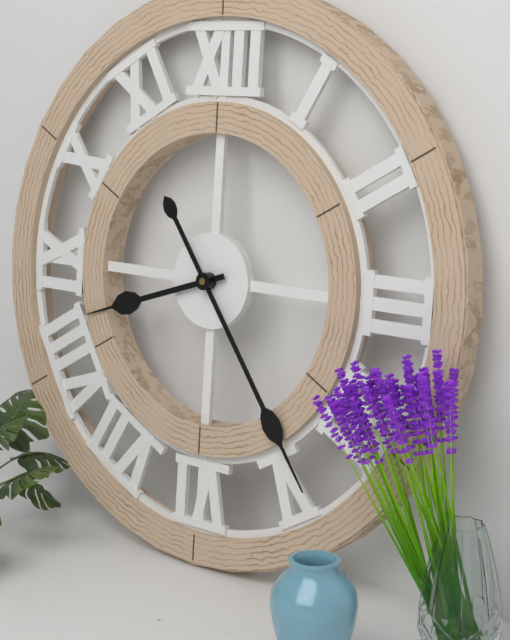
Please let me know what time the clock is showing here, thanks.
8:24
